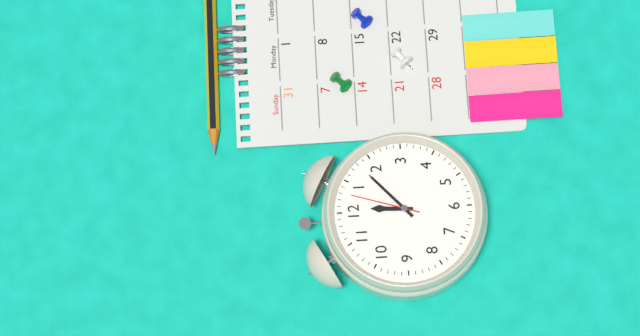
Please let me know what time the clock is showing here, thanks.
12:08:03
